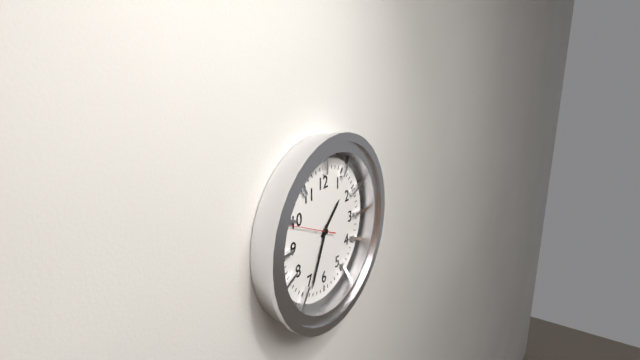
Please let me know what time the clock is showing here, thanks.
1:34
